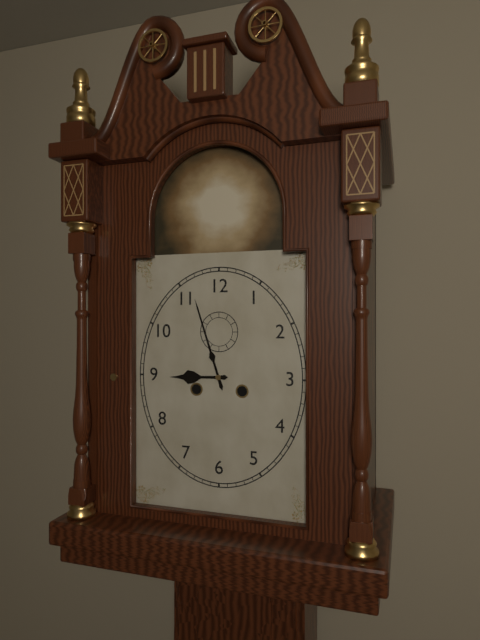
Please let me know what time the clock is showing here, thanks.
8:57
